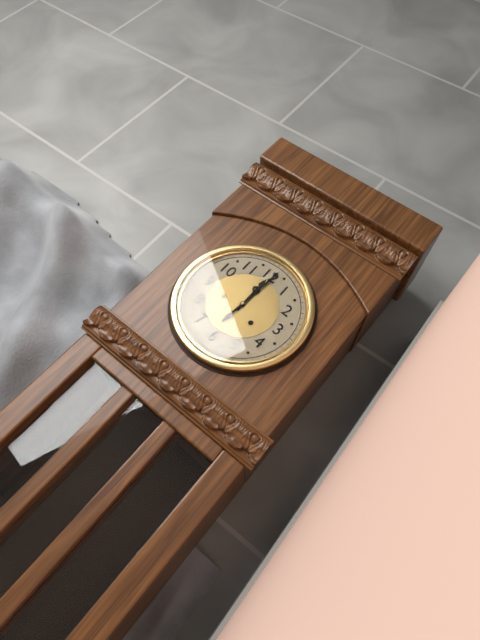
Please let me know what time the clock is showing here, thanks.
12:01
